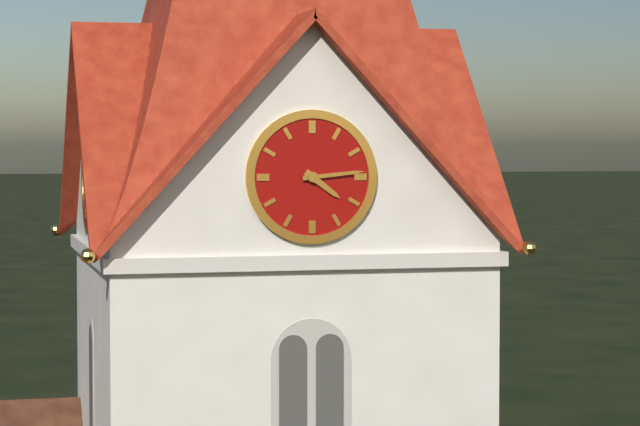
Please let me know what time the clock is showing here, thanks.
4:14
